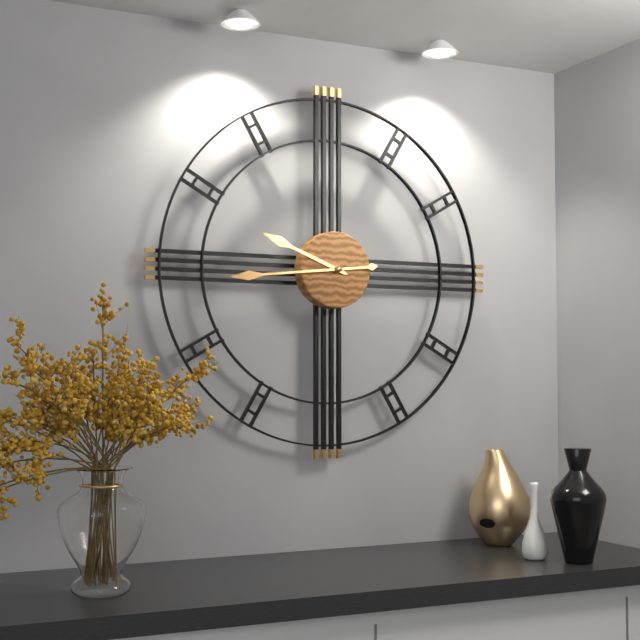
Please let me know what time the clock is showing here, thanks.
9:44
